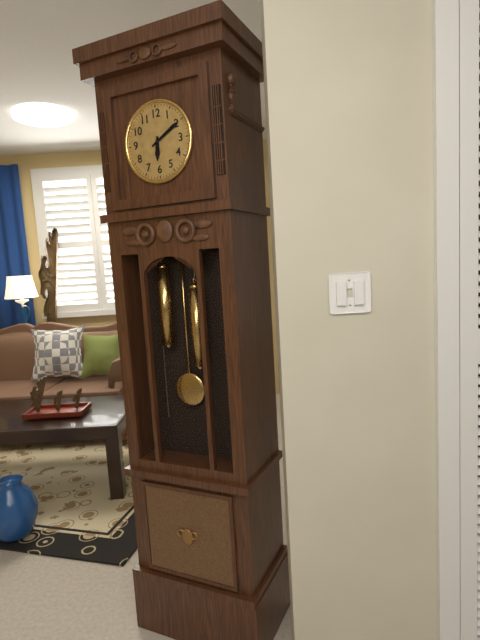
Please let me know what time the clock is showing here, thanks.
6:10
